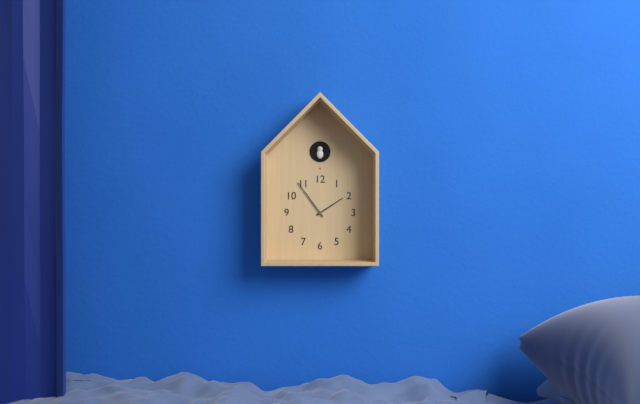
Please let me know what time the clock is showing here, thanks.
1:54
